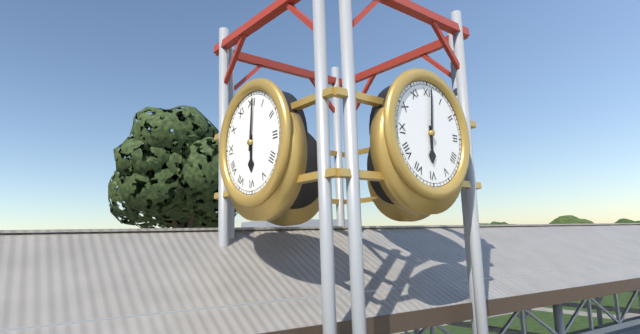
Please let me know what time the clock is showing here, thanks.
6:01
